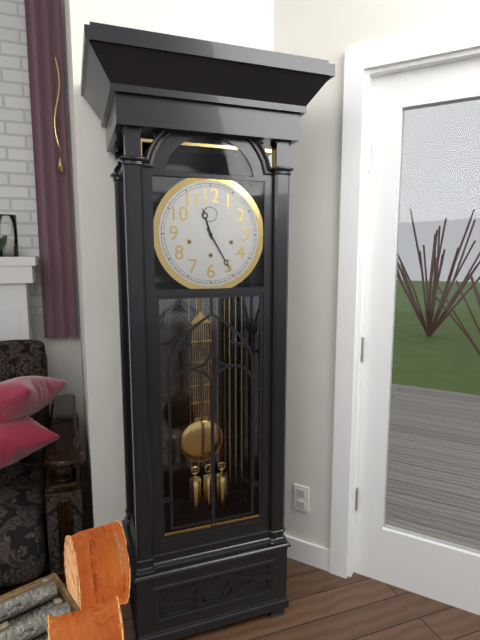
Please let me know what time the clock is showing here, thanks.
11:25
